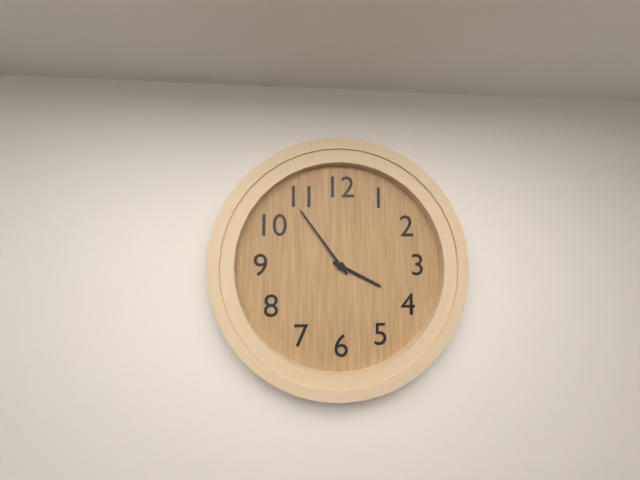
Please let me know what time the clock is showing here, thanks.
3:54
